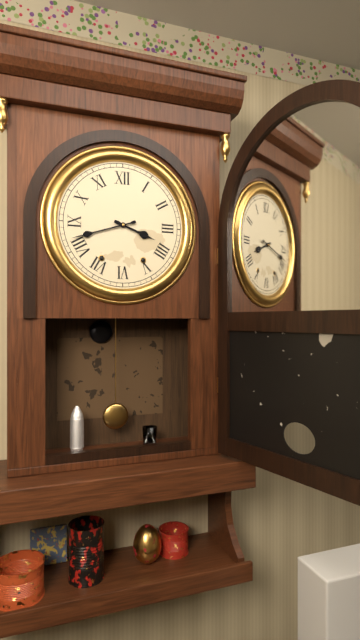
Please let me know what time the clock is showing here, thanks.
3:42
